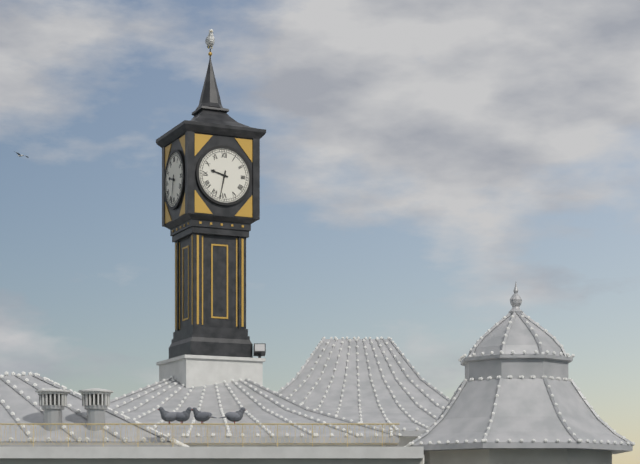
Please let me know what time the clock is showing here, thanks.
9:32
